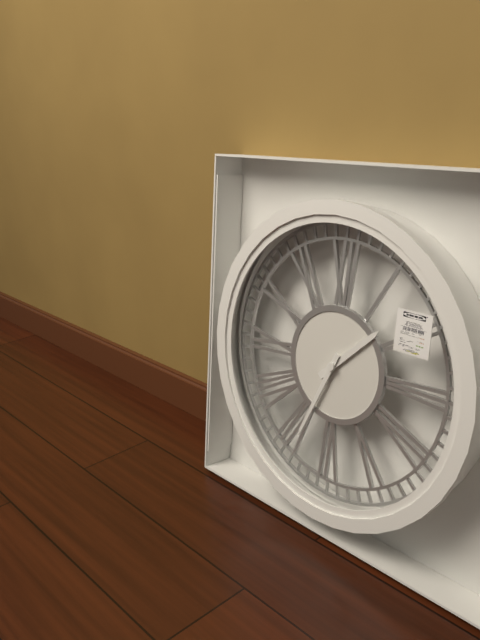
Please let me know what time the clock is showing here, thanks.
1:34
